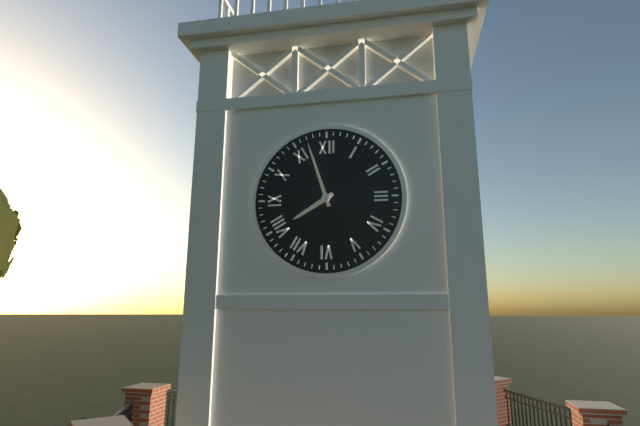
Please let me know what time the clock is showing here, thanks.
7:57
